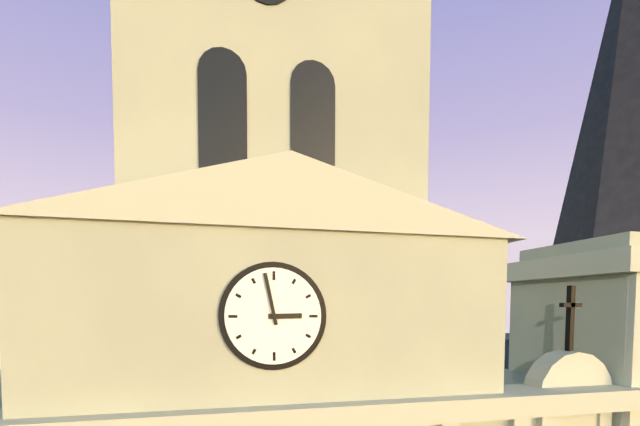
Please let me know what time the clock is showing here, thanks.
2:58
